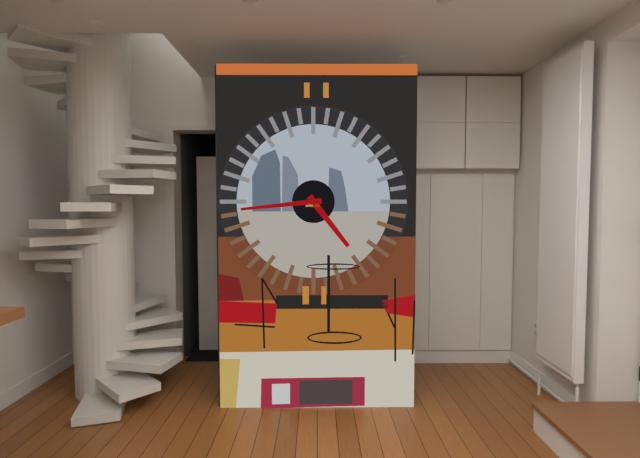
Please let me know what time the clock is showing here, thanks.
4:44
